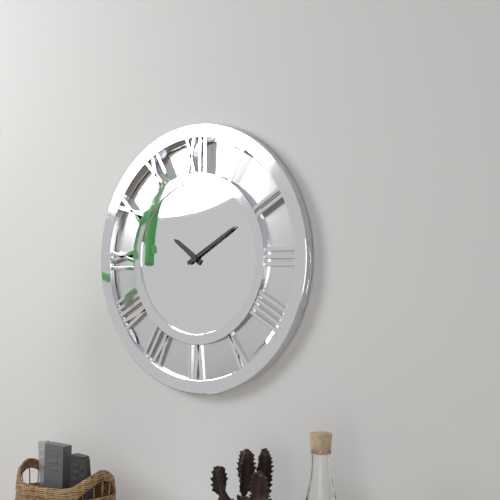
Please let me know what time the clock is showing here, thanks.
10:10
